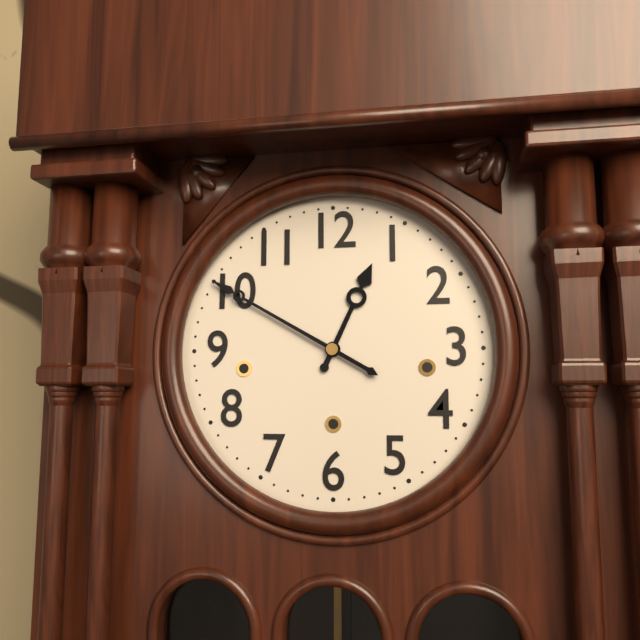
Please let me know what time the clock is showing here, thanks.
12:50
